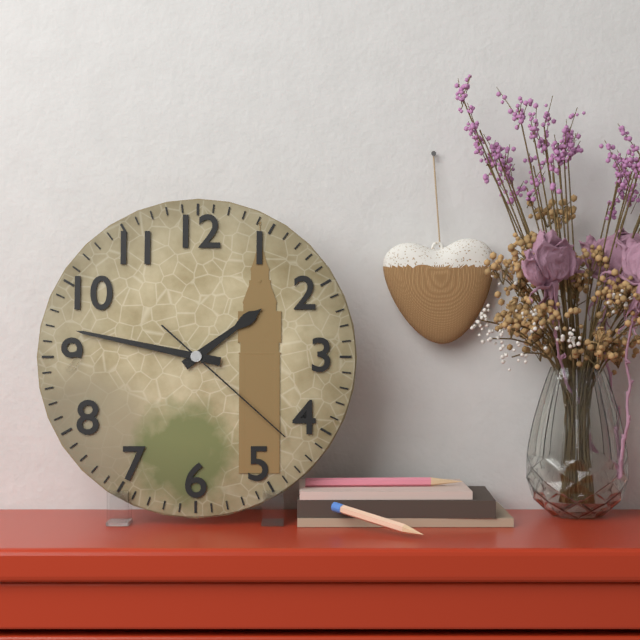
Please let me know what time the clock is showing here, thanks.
1:47:22
